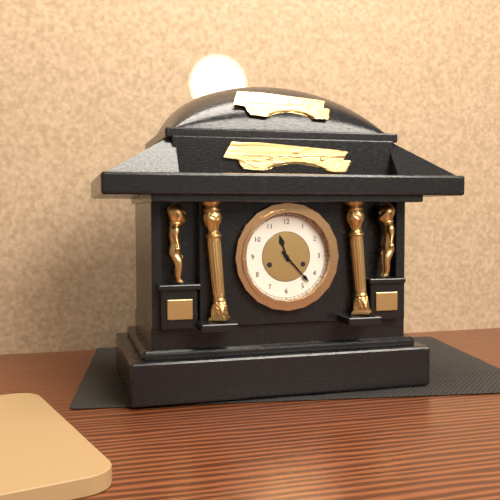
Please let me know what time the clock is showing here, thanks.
11:23
